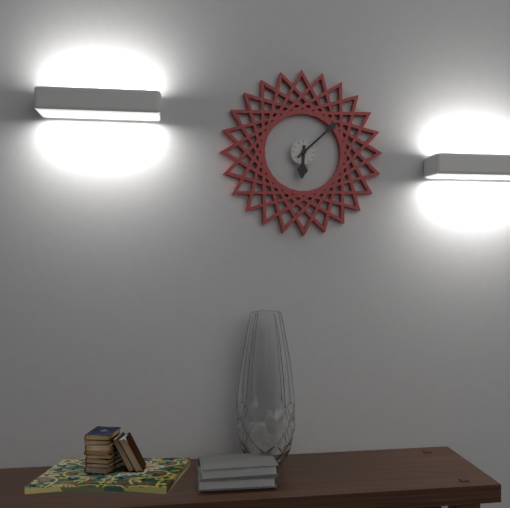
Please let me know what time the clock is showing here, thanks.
6:08
